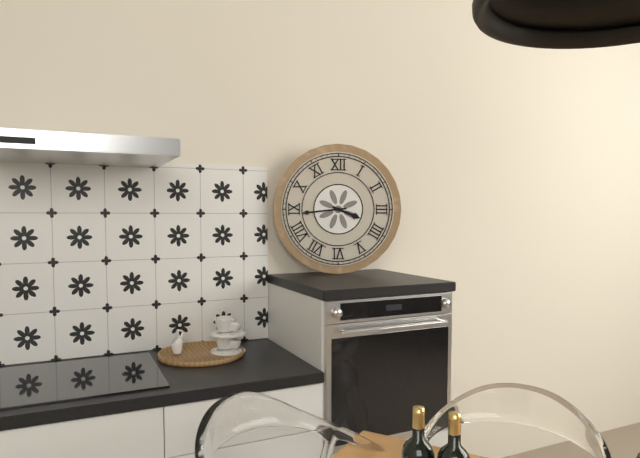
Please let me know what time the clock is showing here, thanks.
3:44
